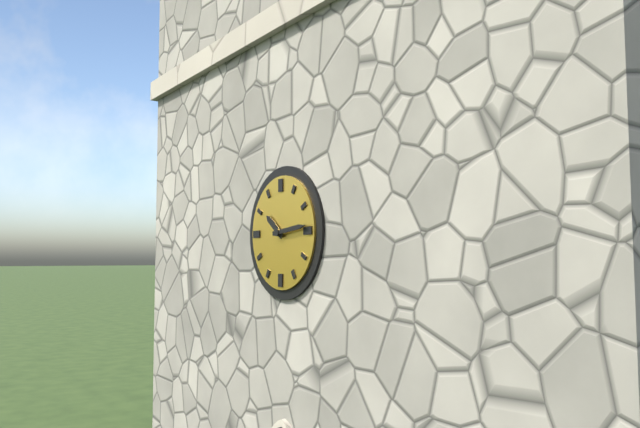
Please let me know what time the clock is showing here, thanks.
10:14
